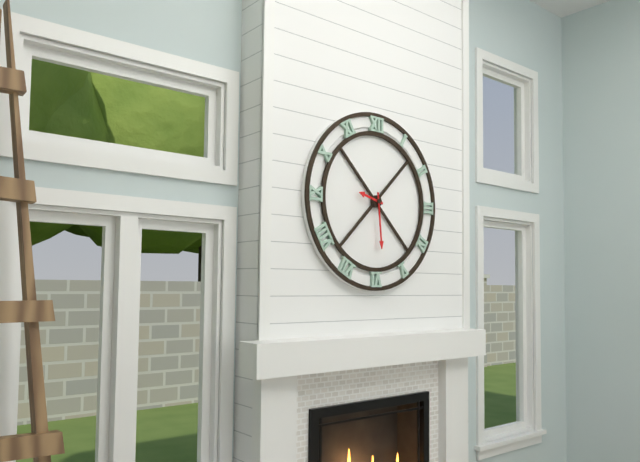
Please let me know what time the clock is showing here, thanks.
9:29
